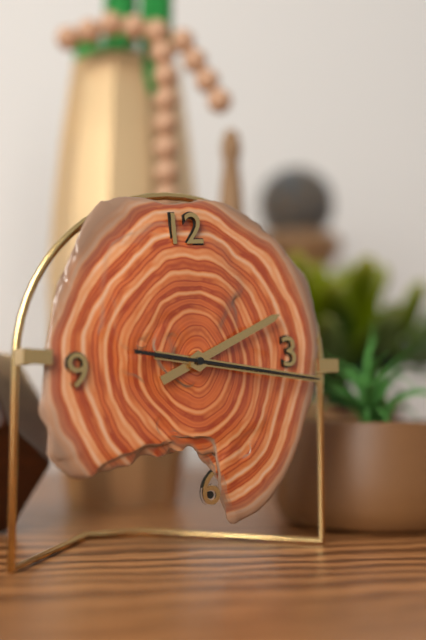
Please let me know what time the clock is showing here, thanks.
2:17:17
